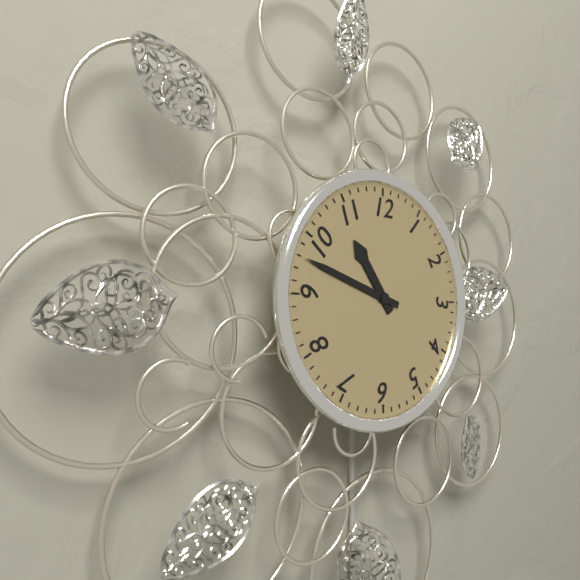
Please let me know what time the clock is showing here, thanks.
10:48
